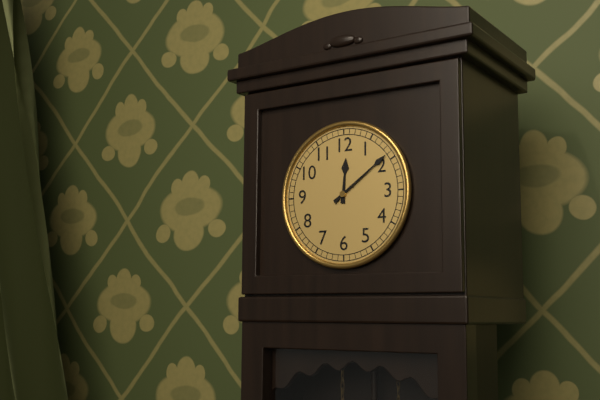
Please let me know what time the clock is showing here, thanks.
12:09
